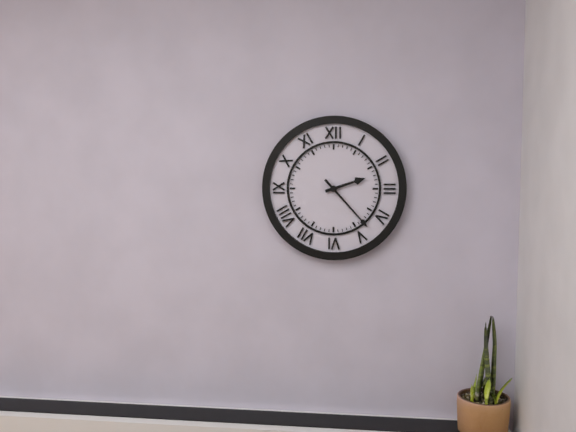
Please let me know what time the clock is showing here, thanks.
2:23
